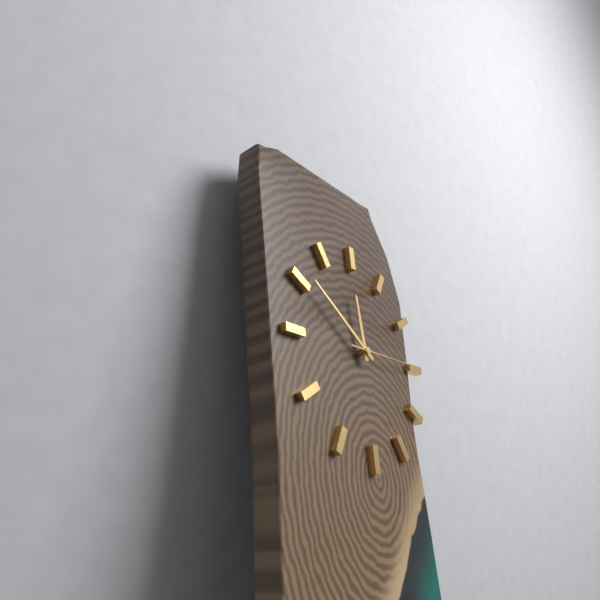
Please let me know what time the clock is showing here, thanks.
11:51:15
